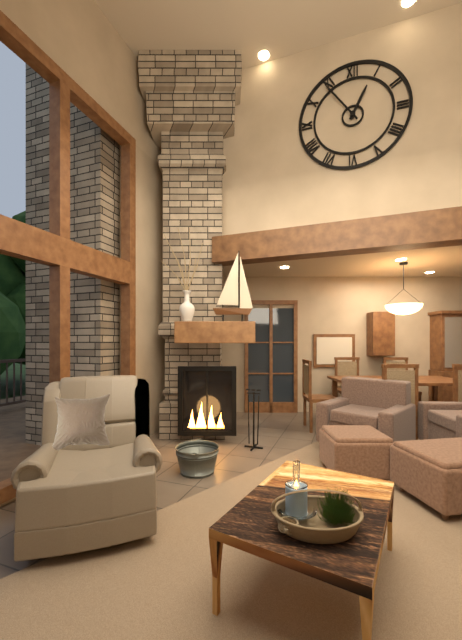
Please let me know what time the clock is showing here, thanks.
12:54
